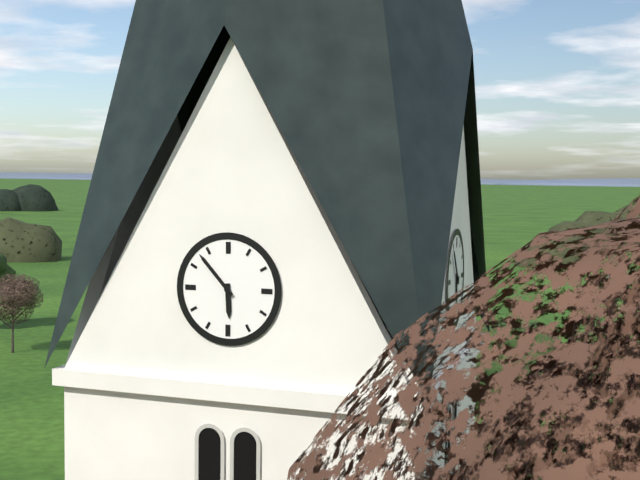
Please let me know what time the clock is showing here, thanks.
5:53
